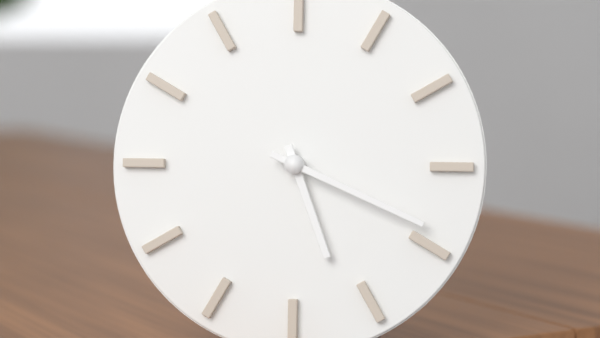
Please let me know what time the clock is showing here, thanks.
5:19
